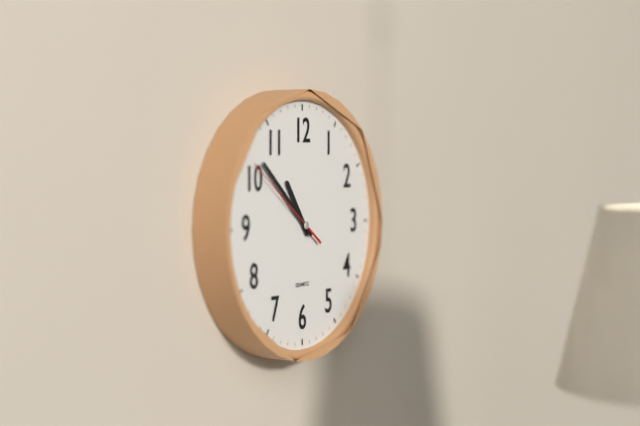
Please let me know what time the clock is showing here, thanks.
10:52:51
